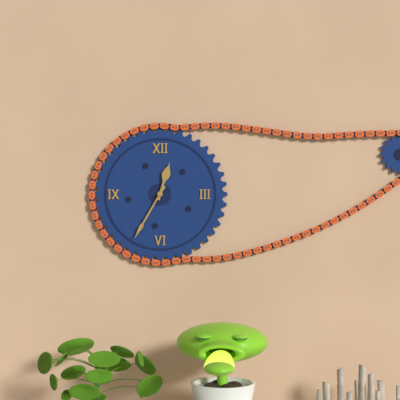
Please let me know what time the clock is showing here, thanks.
12:35
